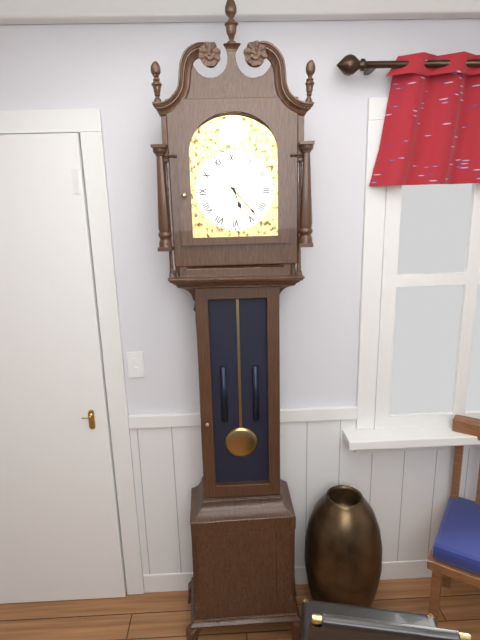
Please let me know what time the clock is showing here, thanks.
5:23
